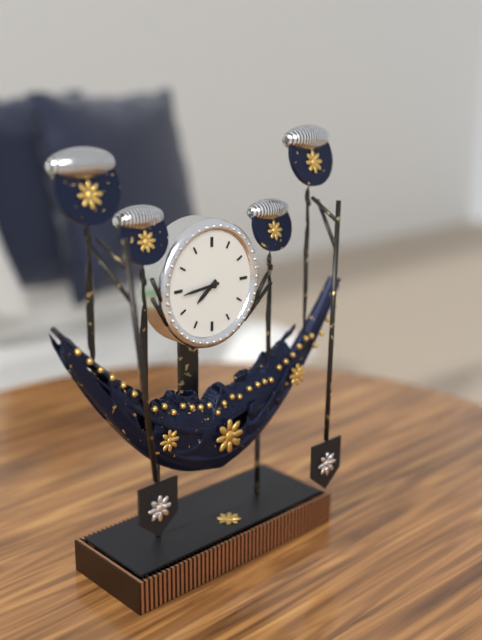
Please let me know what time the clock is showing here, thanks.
7:44
